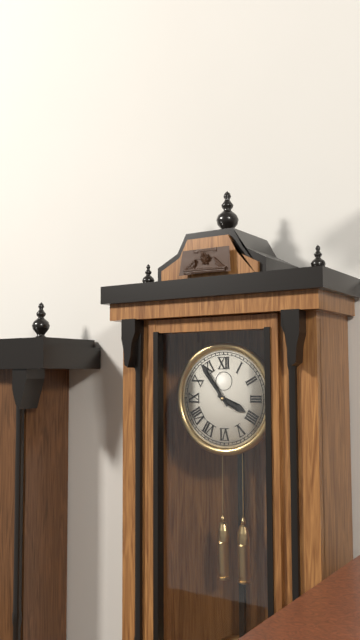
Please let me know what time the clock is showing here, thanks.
3:54
